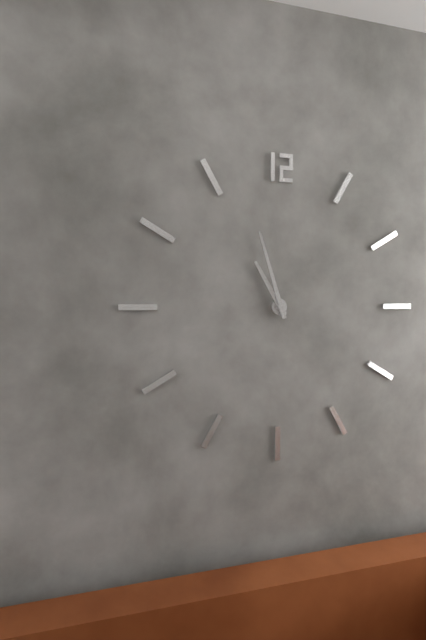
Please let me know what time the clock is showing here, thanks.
10:57
